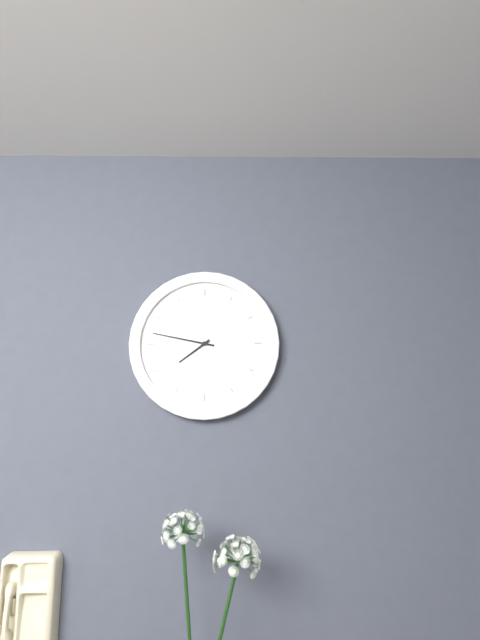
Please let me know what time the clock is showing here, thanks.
7:47
